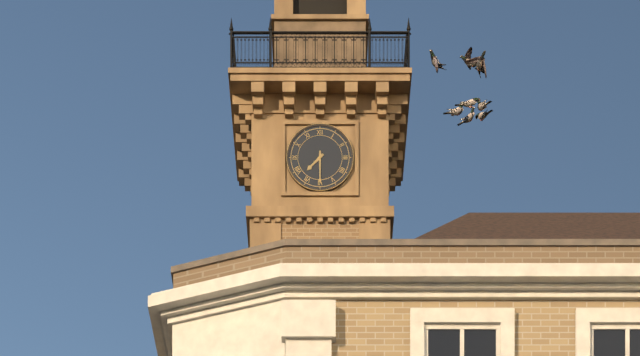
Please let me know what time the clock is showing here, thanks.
7:30
